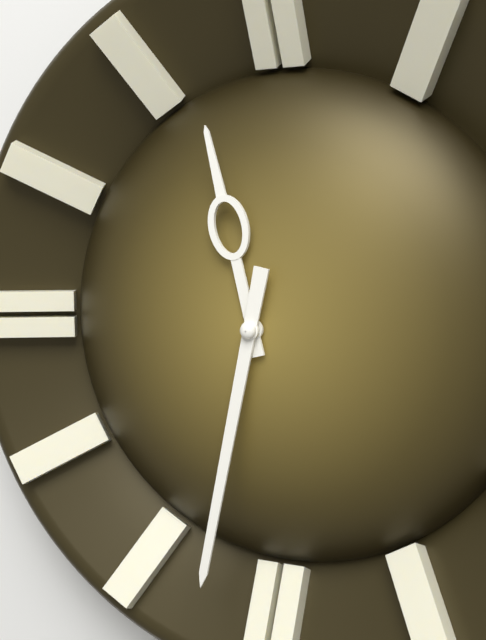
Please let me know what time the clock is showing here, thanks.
11:32
